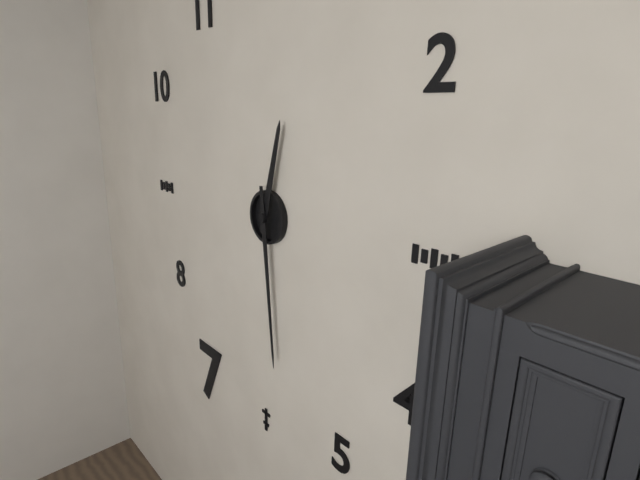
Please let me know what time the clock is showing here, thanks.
12:29
